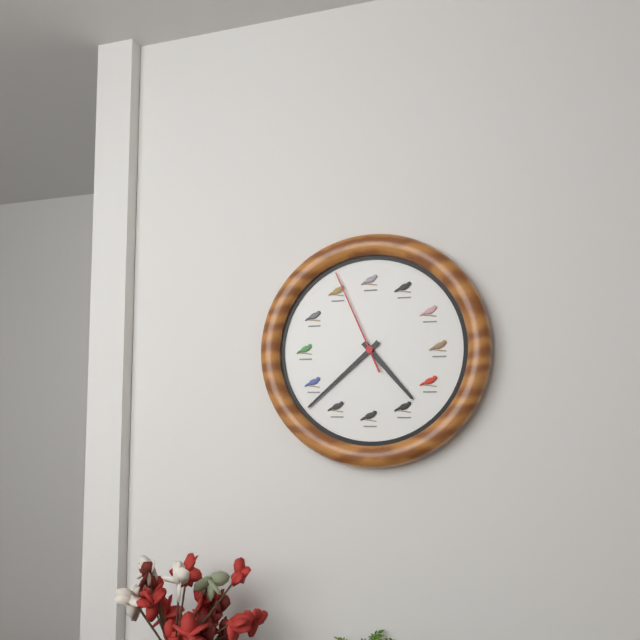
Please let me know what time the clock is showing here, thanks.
4:38:56
